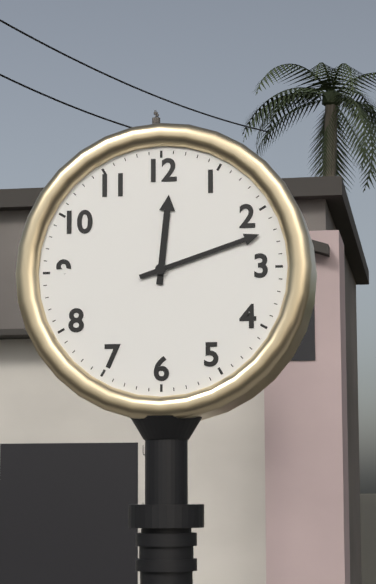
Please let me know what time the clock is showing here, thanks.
12:12
